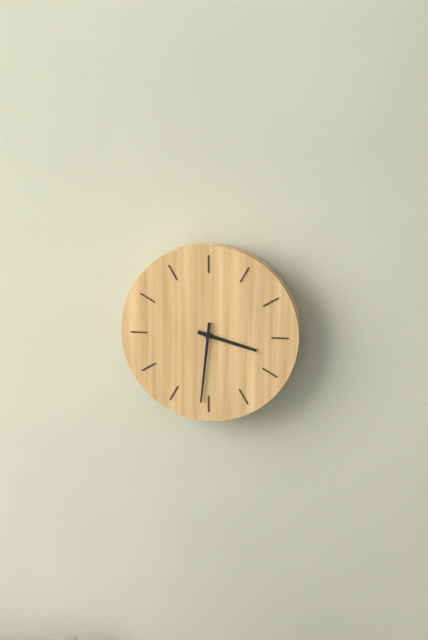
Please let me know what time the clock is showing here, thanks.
3:31
